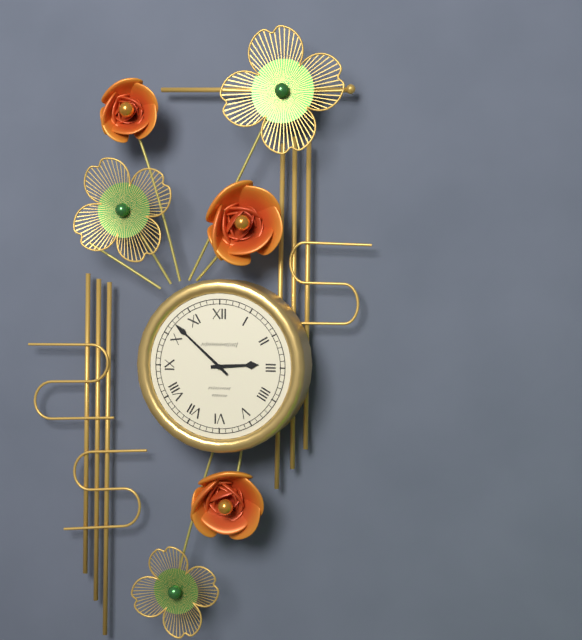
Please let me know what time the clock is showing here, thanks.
2:52
